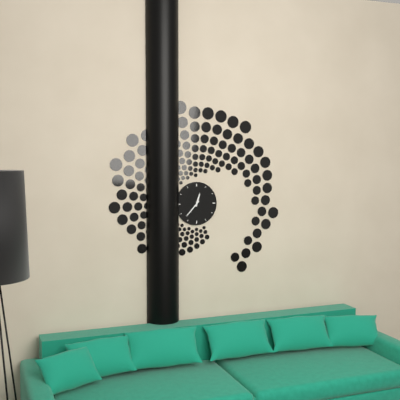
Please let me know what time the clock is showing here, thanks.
12:37
